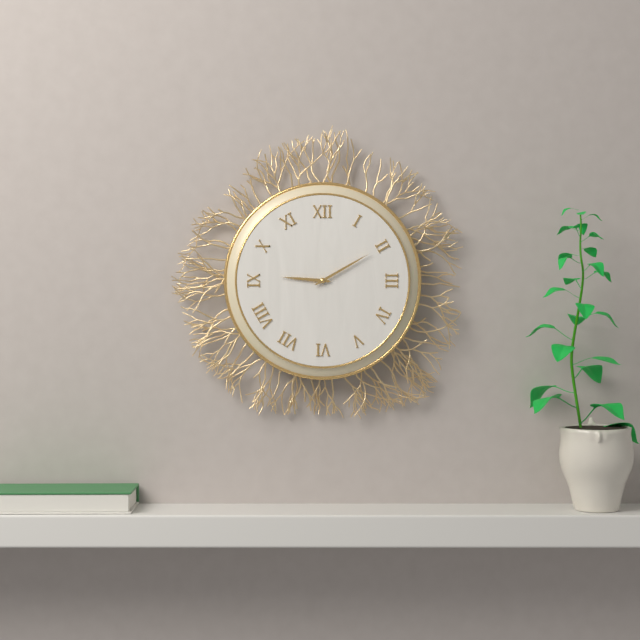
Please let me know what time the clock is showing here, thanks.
9:10
